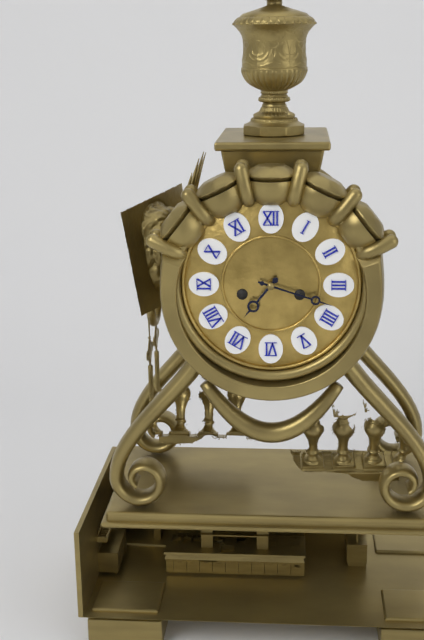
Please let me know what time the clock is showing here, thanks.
7:18
